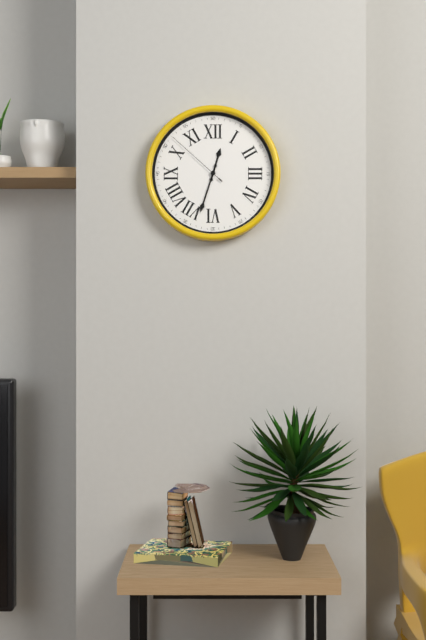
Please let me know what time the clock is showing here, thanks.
12:33:52
